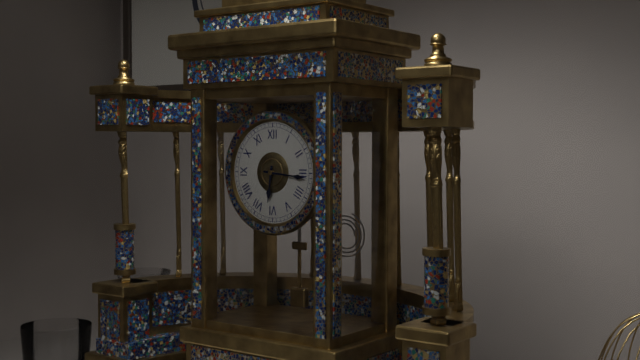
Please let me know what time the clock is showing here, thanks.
6:16
